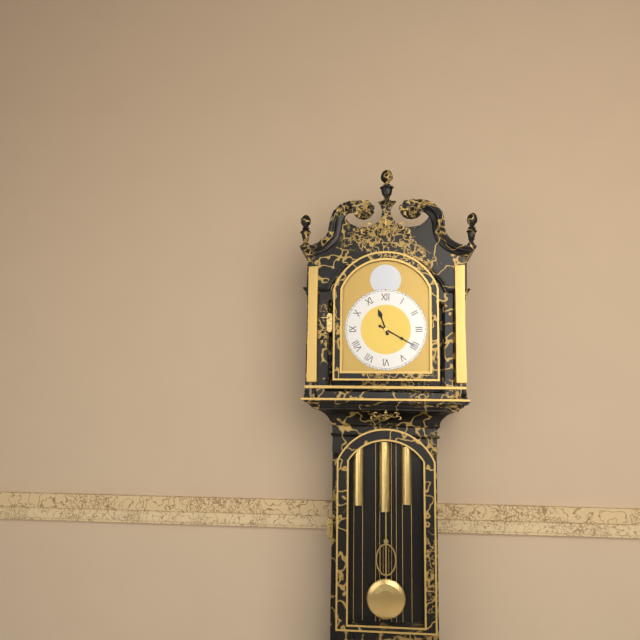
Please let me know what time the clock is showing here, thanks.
11:20
